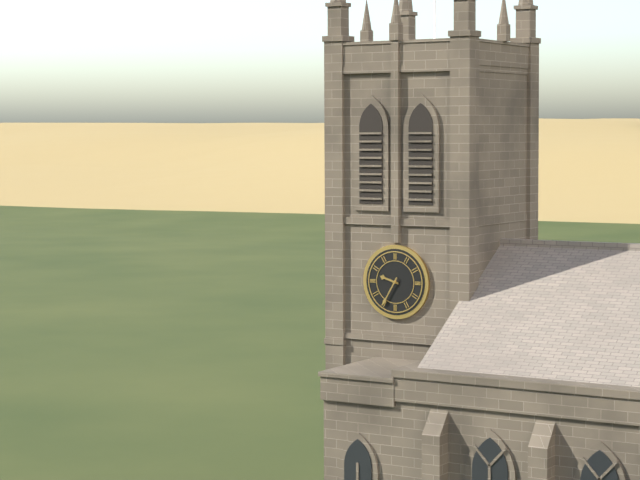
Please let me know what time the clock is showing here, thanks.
9:35
